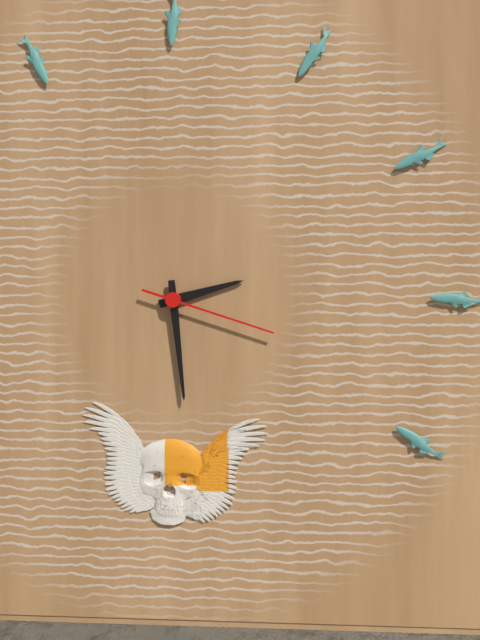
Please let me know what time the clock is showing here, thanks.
2:29:18
